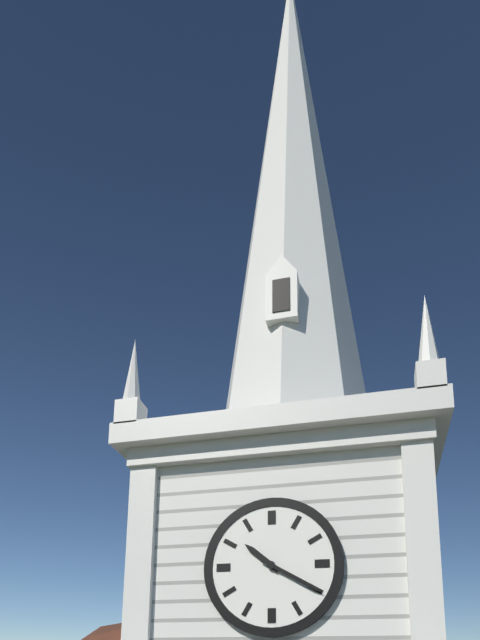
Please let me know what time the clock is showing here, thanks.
10:20
